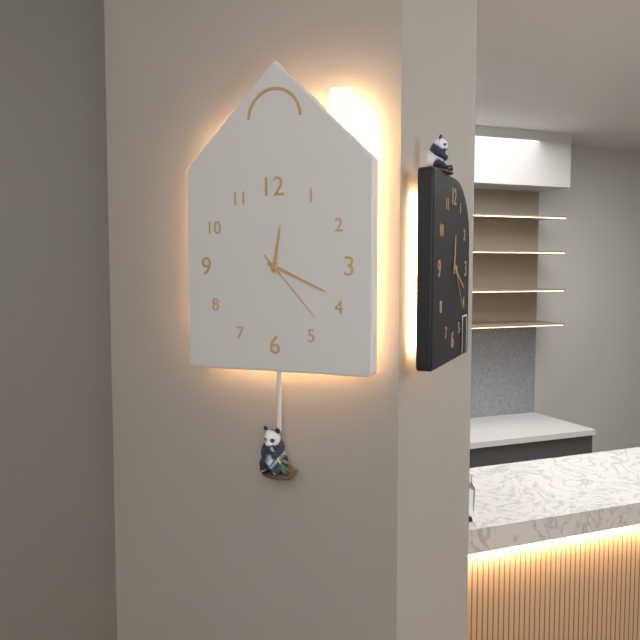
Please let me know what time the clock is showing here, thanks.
12:19:23
